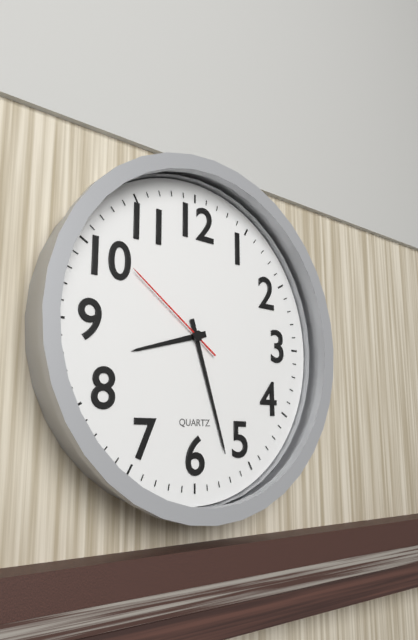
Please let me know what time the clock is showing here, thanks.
8:27:51
